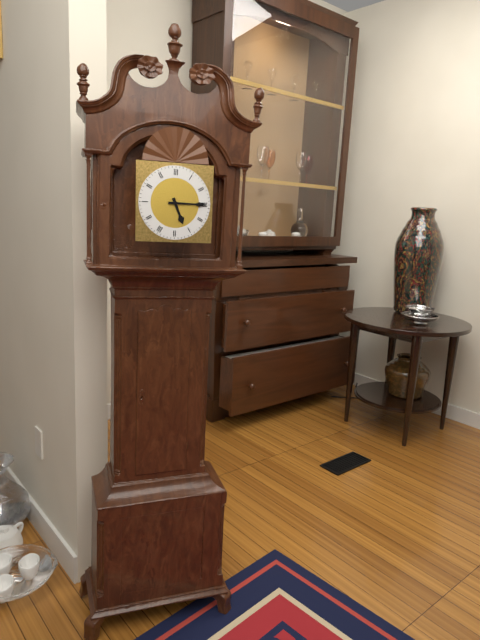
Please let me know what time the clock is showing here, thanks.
5:15
